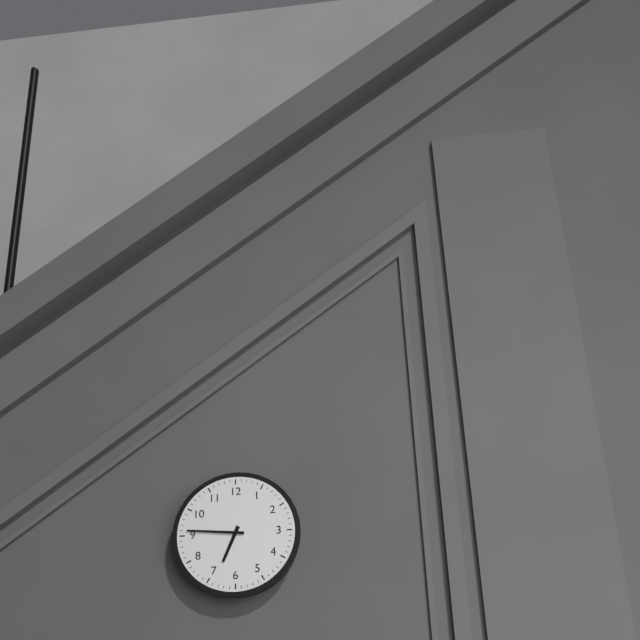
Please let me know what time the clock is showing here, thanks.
6:46
